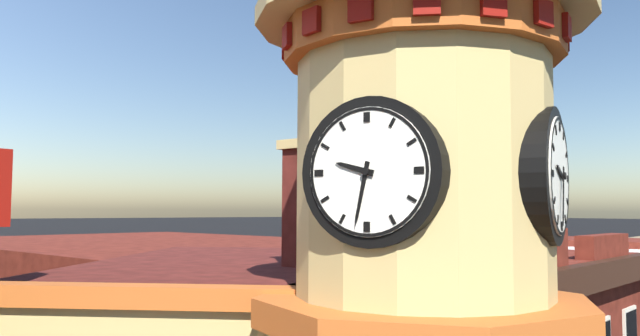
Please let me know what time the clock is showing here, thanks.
9:32
